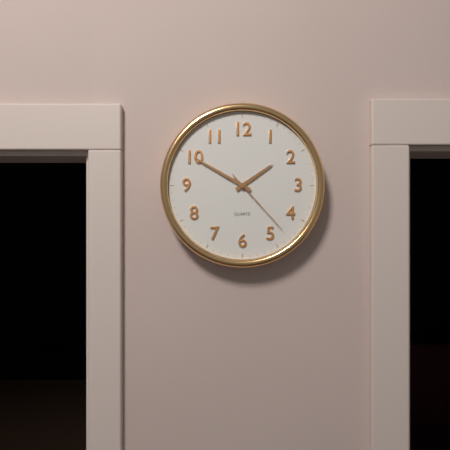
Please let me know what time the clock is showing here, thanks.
1:50:23
